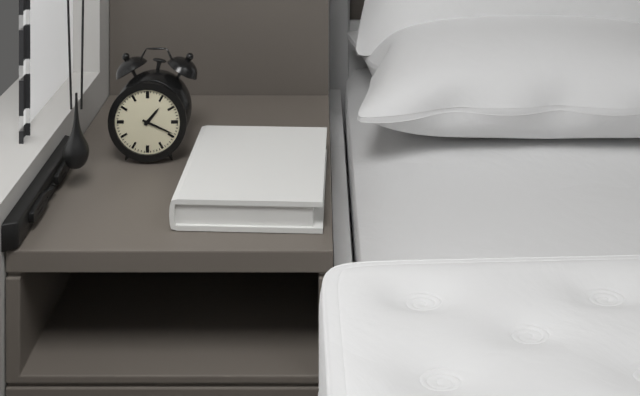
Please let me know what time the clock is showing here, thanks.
1:19
